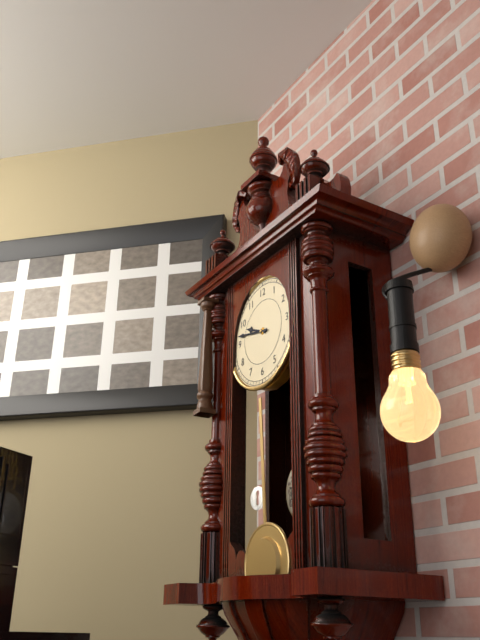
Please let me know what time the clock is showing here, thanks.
9:47
